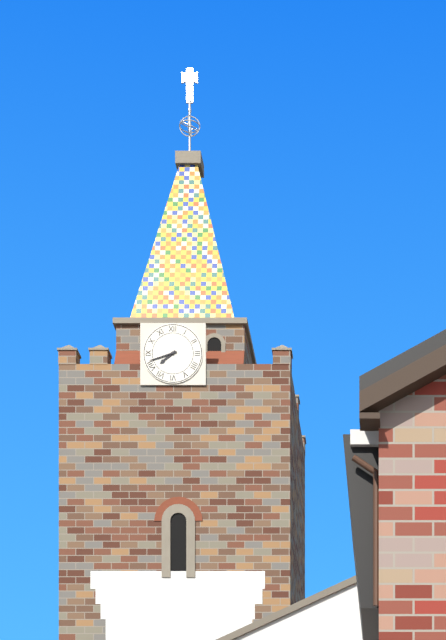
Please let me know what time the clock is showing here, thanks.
7:42
